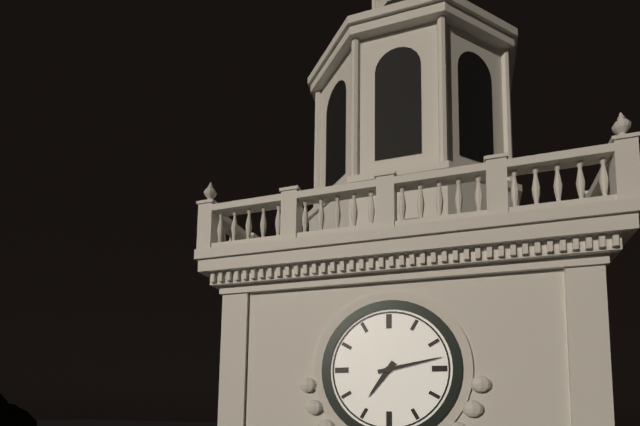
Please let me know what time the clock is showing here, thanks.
7:13
